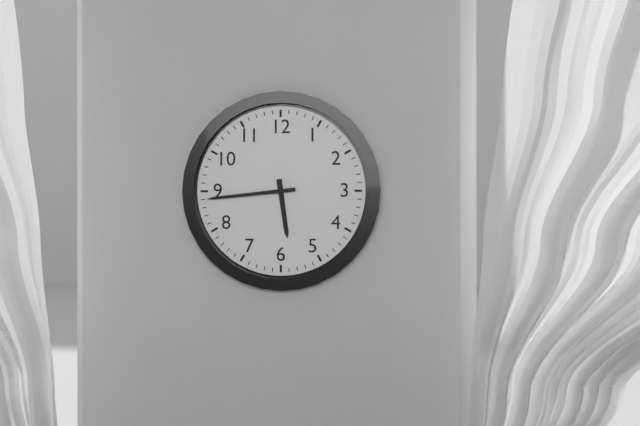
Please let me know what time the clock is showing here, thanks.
5:44
